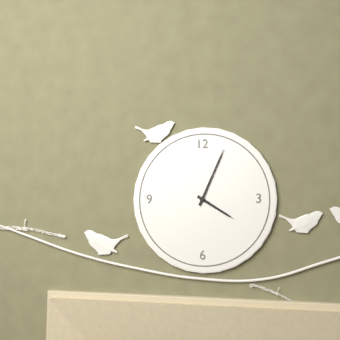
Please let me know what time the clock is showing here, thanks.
4:04
